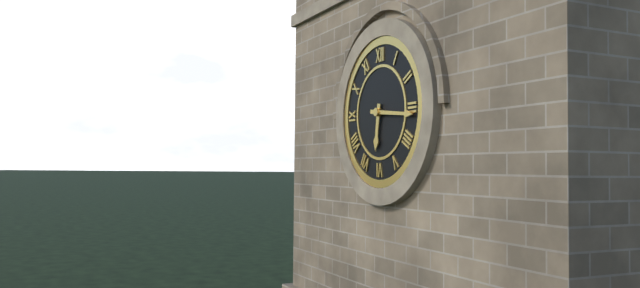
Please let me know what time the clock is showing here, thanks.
6:16
